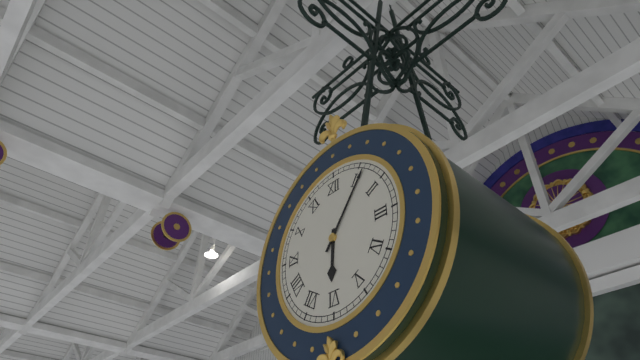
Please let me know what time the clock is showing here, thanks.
6:06
